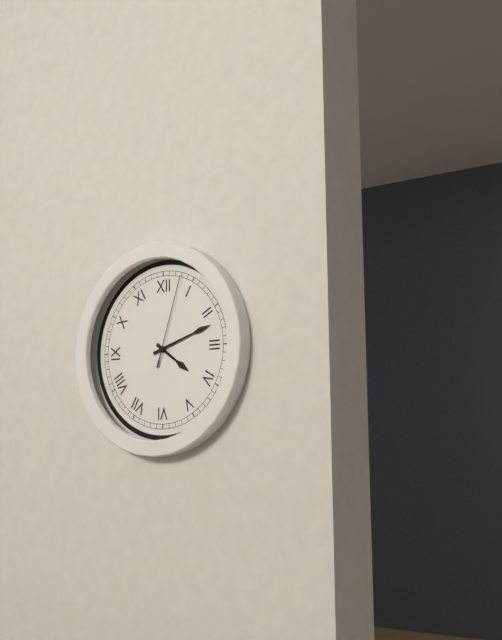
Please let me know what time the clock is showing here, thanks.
4:12:03
